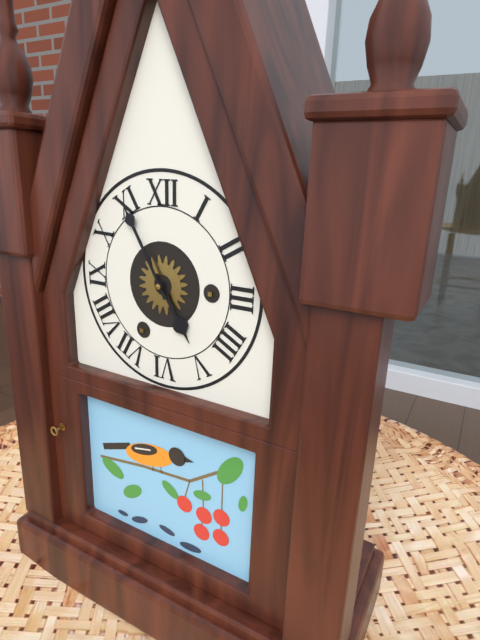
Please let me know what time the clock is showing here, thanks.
4:55
